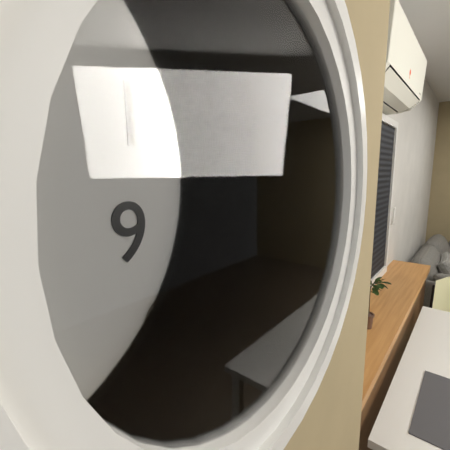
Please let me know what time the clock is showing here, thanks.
5:41
